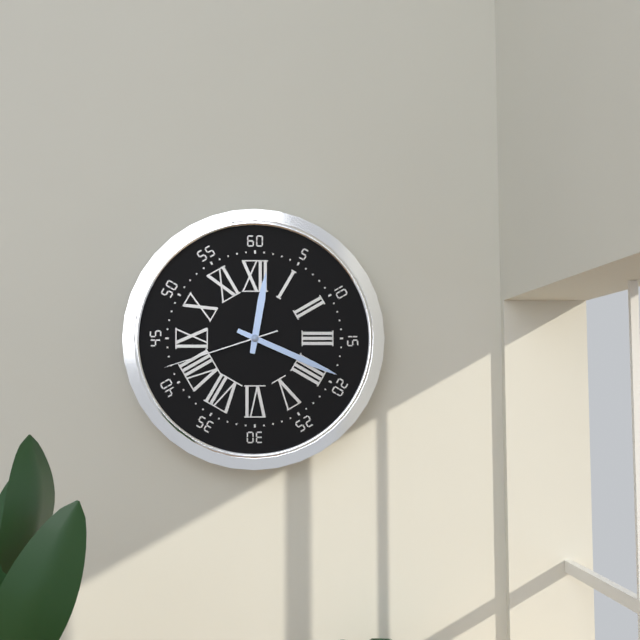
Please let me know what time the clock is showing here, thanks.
12:19:42
